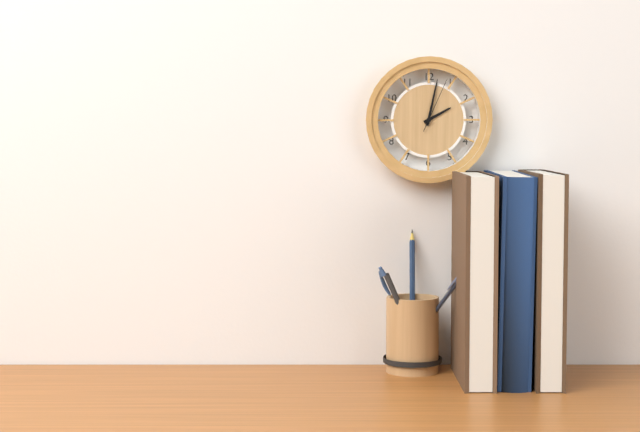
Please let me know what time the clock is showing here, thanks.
2:02:04
